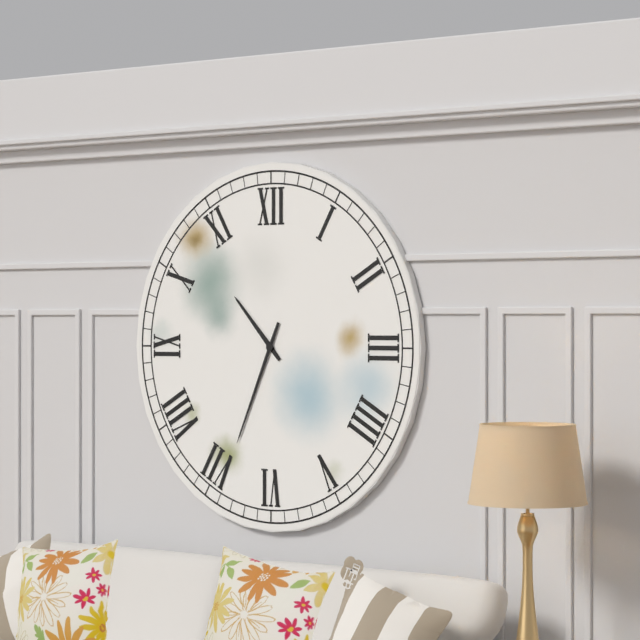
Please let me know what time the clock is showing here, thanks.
10:34
